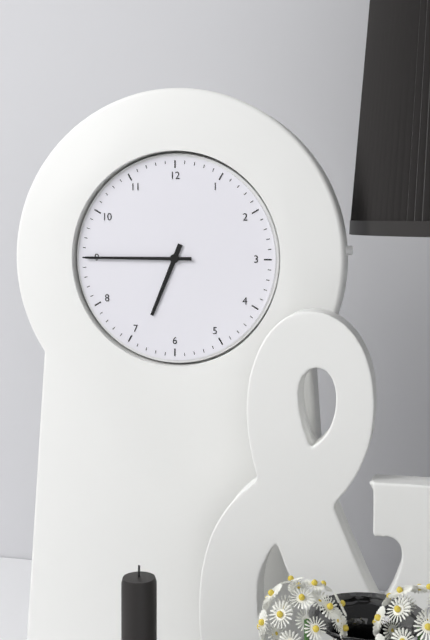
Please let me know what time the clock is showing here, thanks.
6:45
